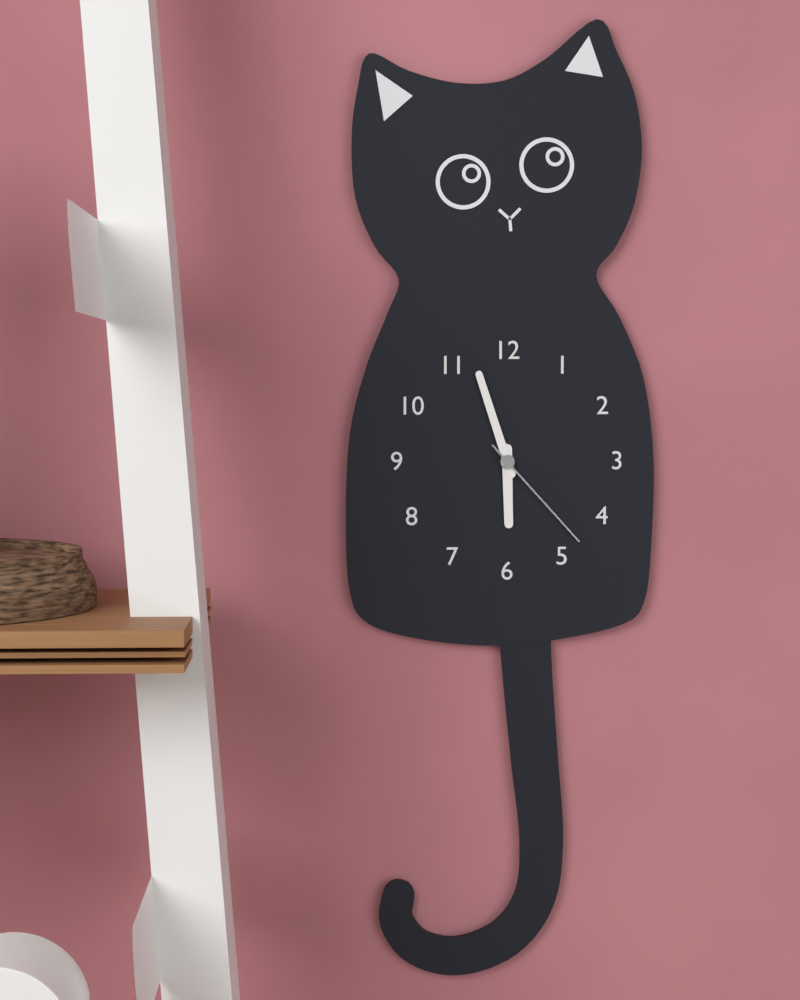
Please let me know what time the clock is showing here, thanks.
5:57:23
